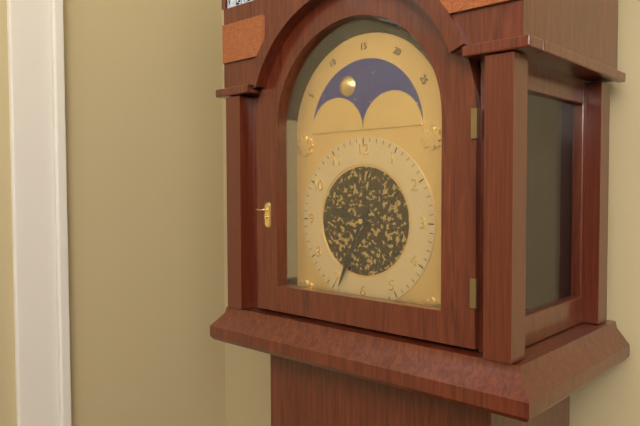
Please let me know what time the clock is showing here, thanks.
9:34
